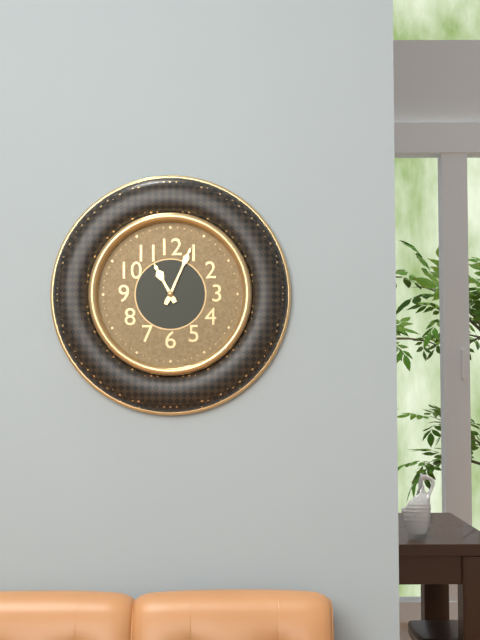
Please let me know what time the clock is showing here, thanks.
11:04
